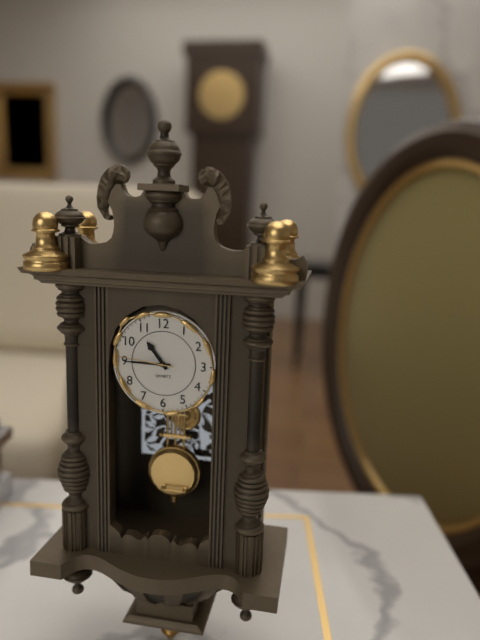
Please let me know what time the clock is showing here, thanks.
10:45:46
